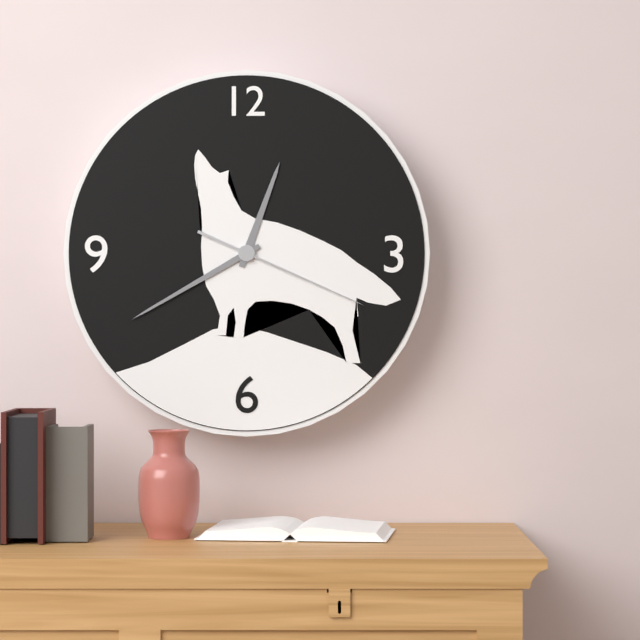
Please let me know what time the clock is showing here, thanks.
12:40:19
